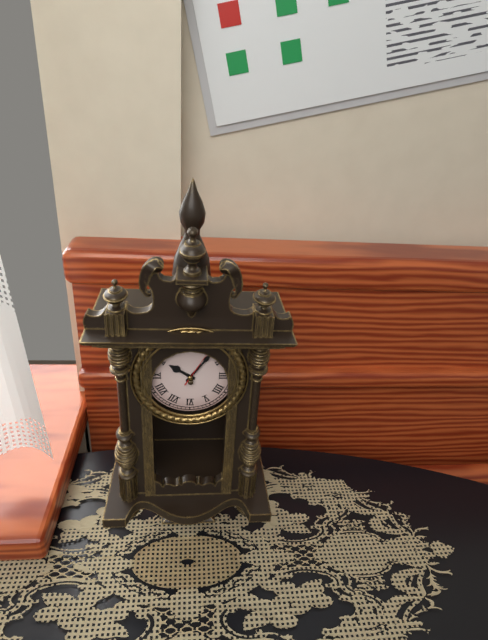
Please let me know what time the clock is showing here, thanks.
10:06
